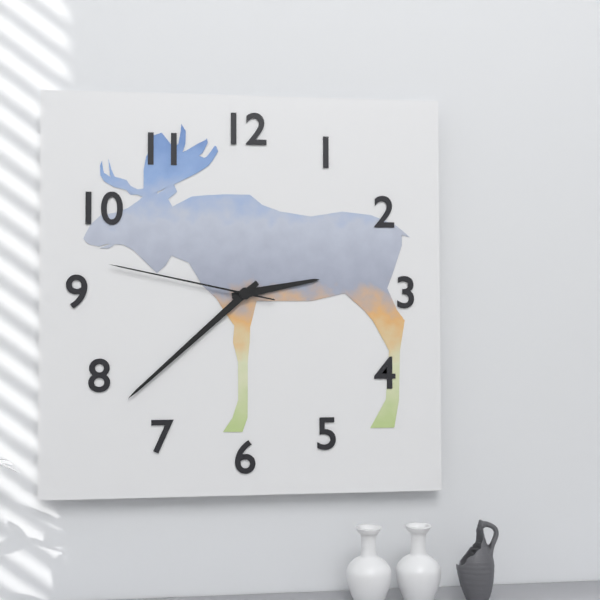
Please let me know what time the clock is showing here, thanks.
2:38:47
